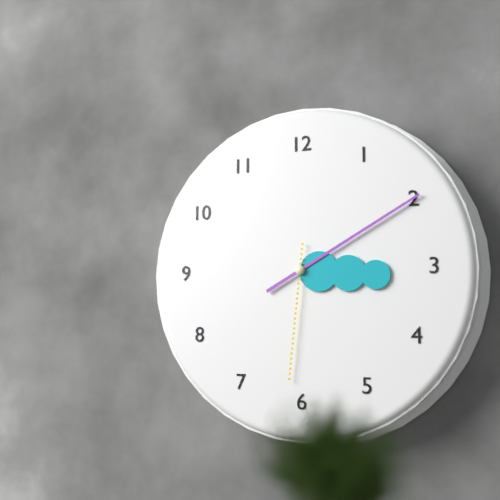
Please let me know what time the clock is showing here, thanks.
3:10:31
